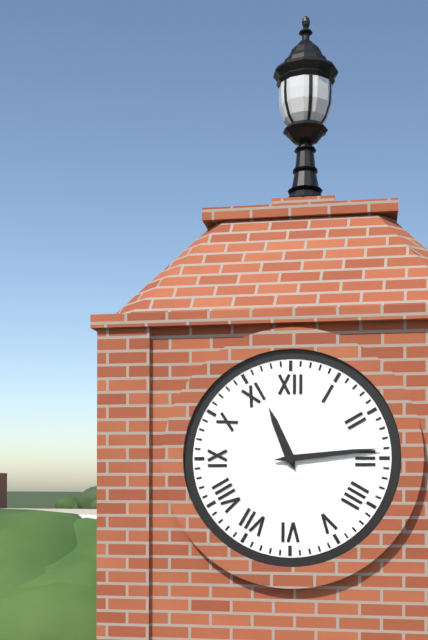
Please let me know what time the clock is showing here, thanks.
11:14
